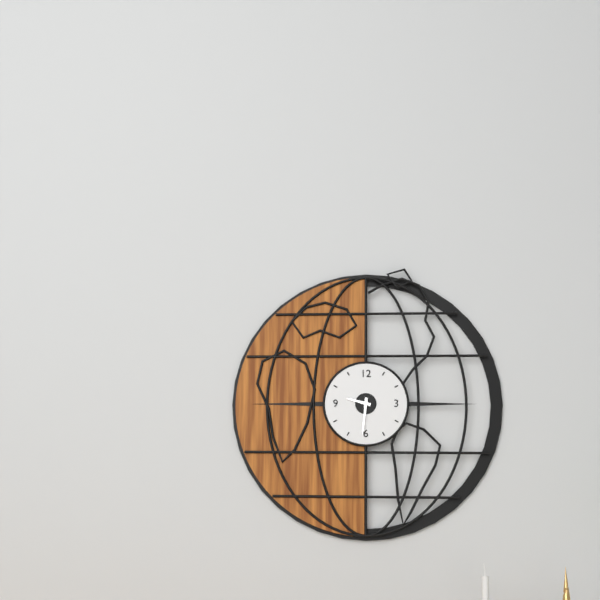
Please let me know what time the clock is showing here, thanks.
9:31
